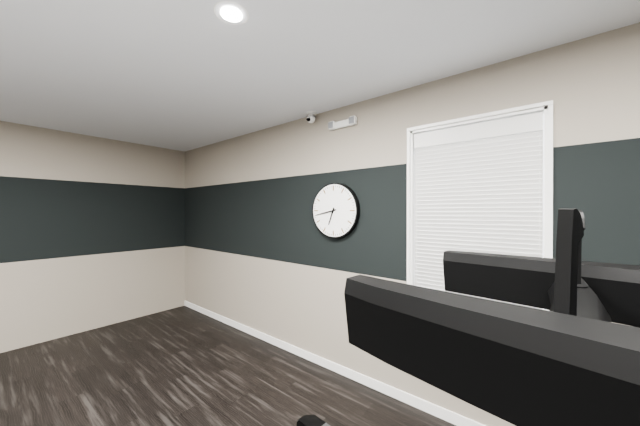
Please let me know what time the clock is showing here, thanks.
6:43
